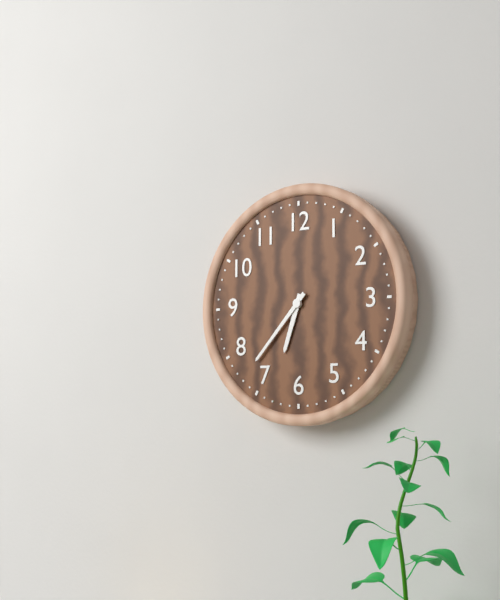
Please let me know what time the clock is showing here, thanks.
6:37
